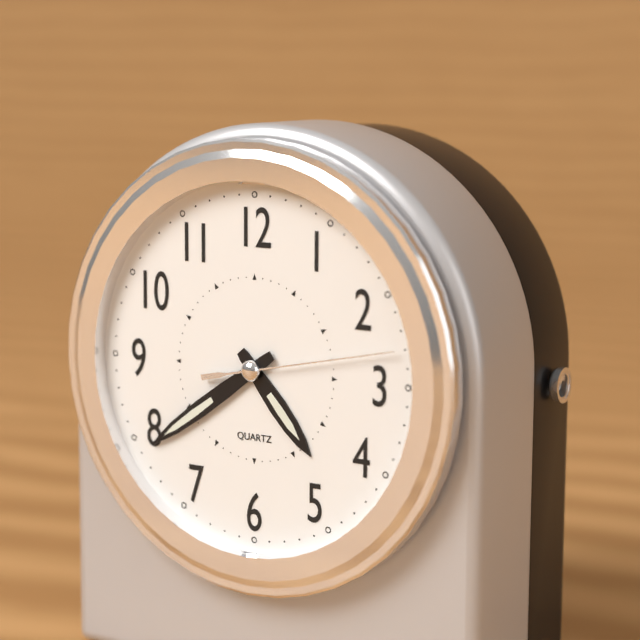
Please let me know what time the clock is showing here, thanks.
4:39:13
